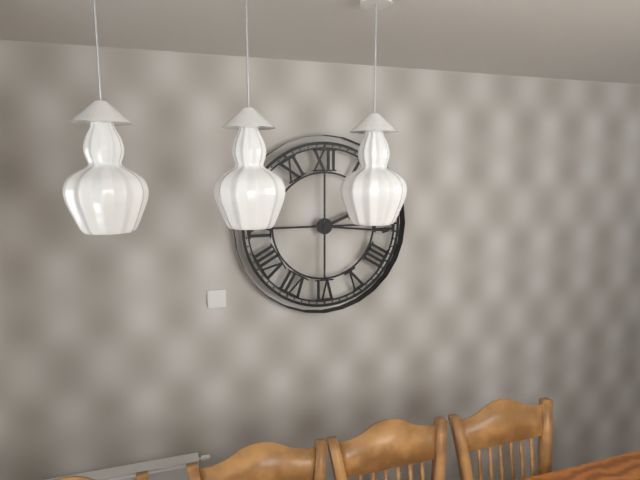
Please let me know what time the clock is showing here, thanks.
2:16
